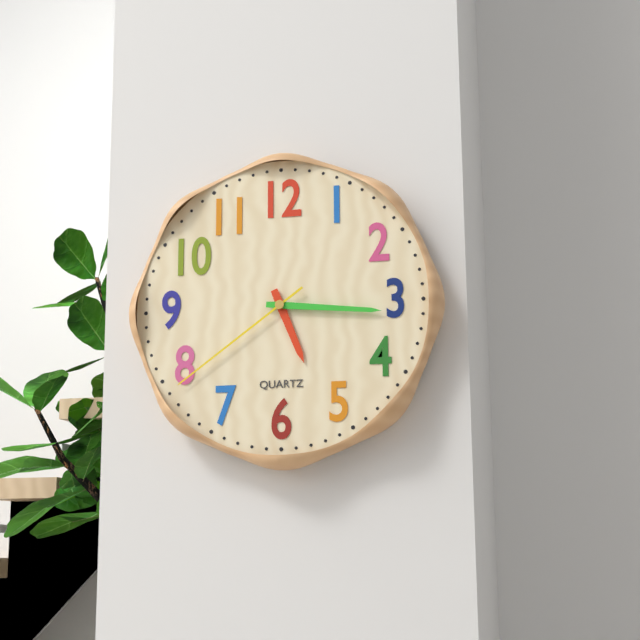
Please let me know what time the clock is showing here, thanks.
5:16:39
